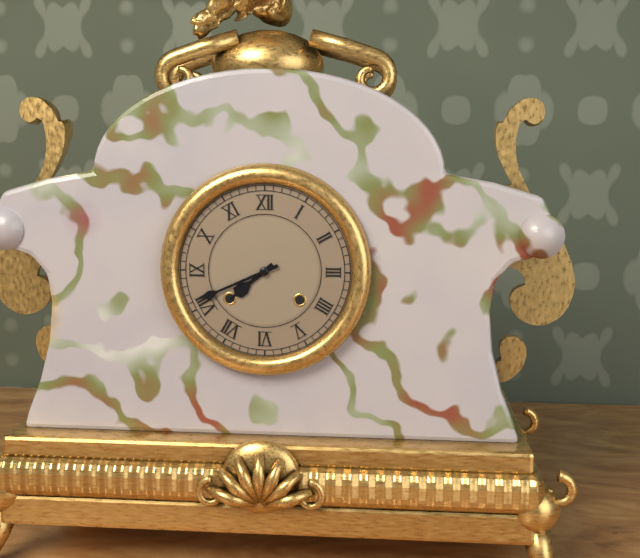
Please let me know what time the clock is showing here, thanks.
7:41
